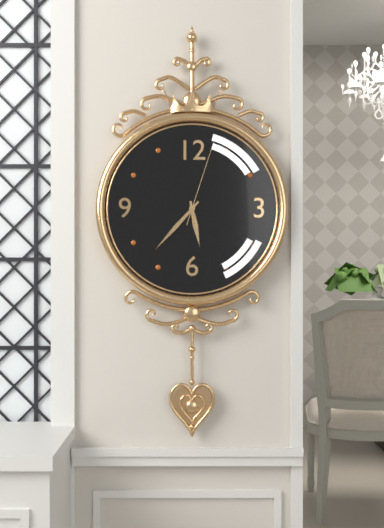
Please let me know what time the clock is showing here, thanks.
5:37:03
